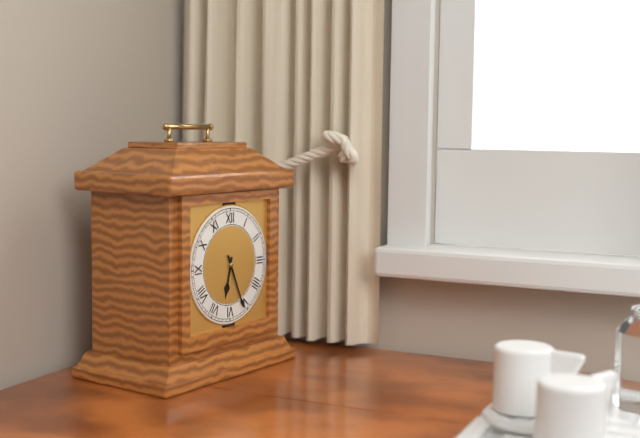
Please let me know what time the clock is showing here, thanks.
6:26
